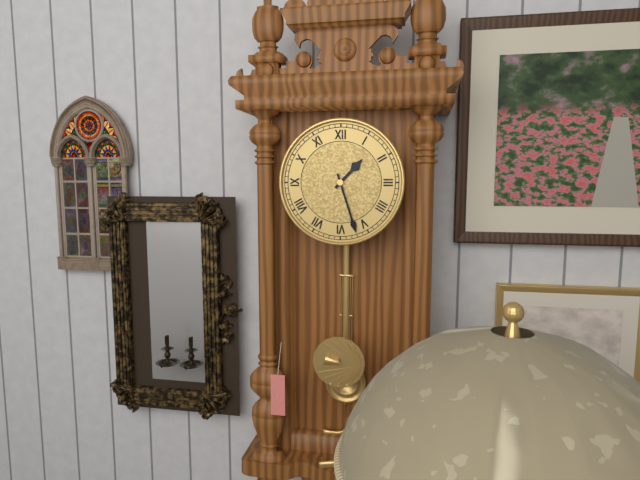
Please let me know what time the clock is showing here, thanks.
1:27
